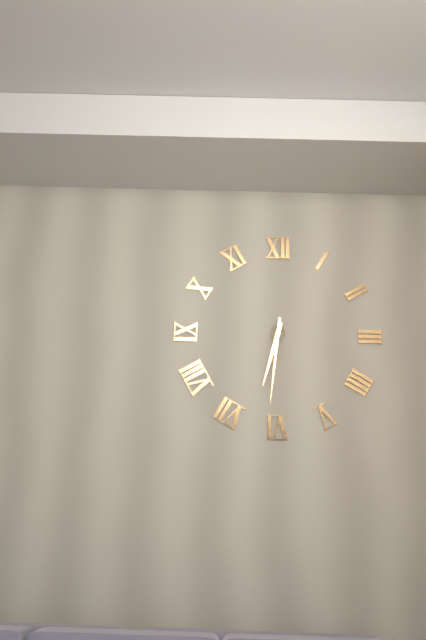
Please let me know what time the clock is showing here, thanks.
6:31
